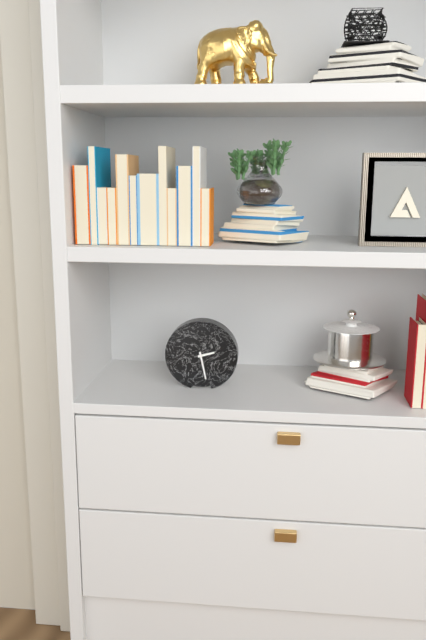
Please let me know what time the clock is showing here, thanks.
2:28
